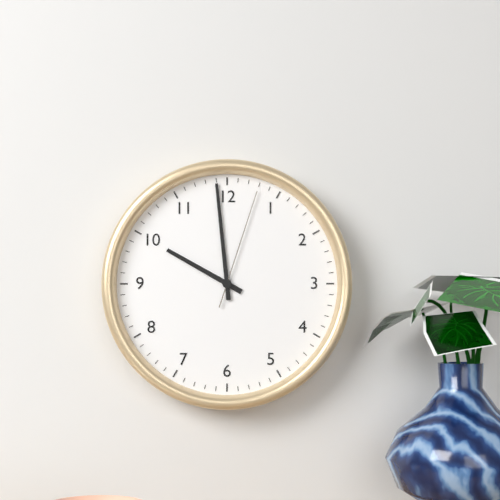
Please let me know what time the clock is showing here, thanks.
9:59:03
